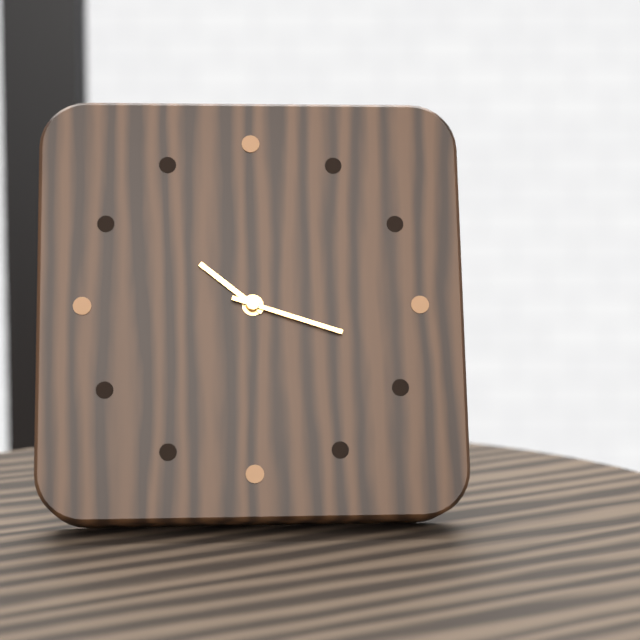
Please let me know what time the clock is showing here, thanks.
10:18
